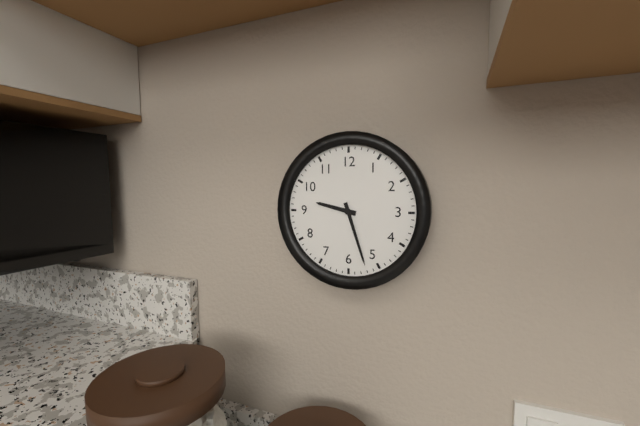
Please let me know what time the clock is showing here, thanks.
9:27
